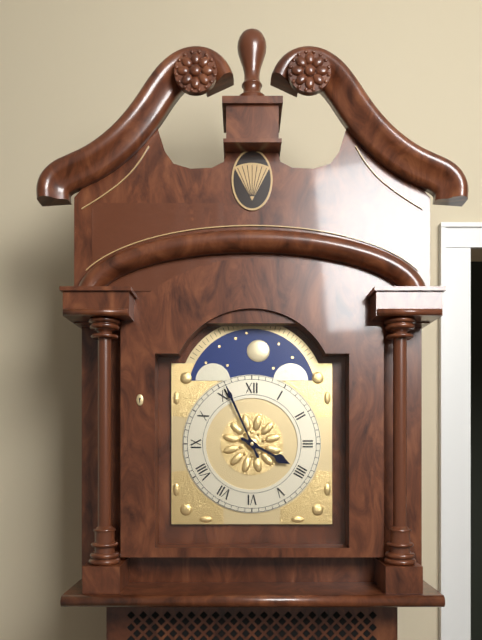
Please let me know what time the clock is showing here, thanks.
3:56
